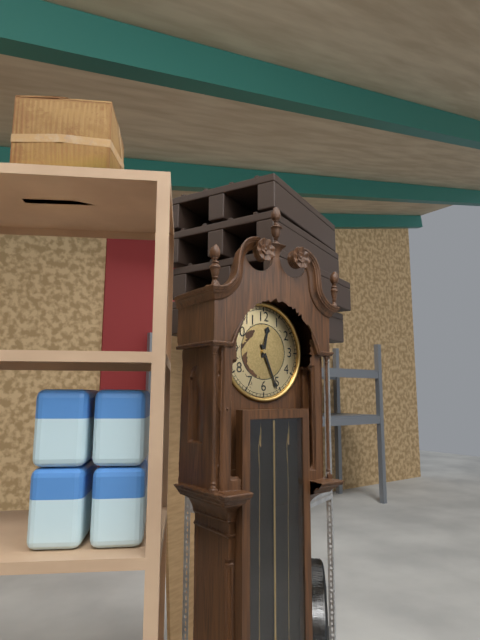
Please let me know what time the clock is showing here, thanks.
12:26
